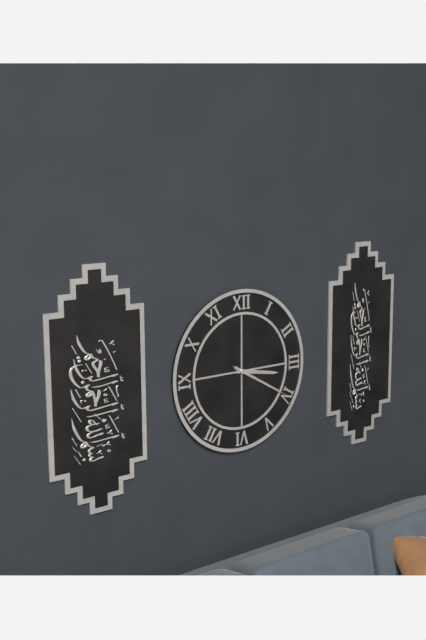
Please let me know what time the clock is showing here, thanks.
3:20:20
